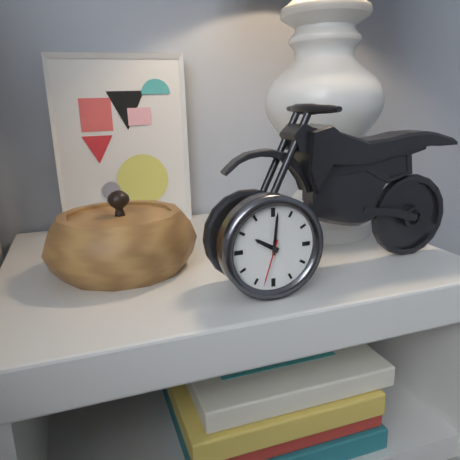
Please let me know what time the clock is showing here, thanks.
10:01
